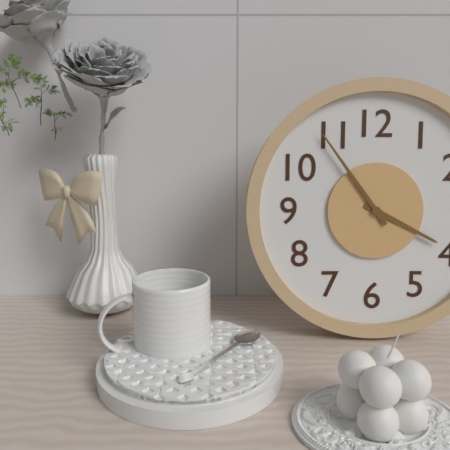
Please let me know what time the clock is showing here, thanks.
3:54
